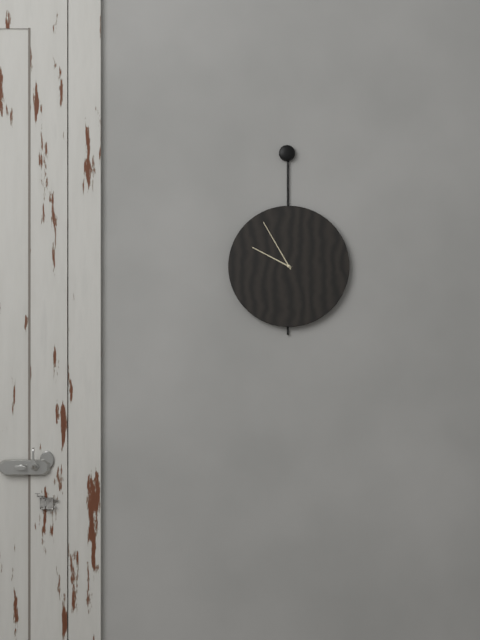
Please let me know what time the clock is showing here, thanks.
9:55
